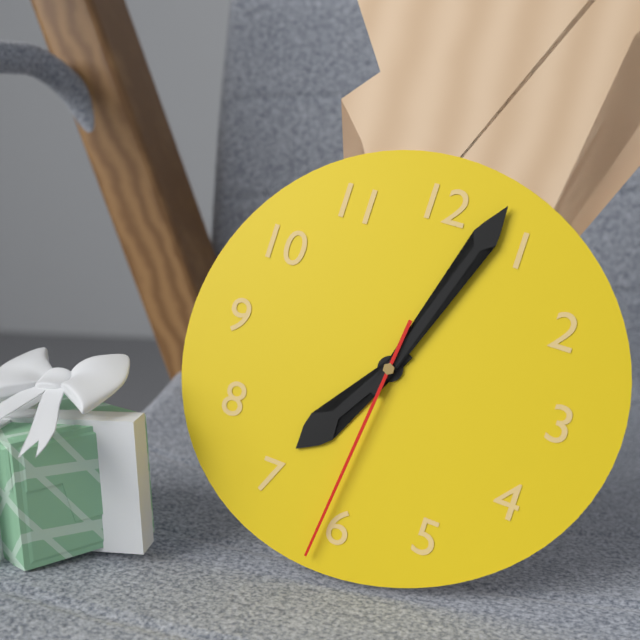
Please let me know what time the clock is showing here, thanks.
7:03:31
